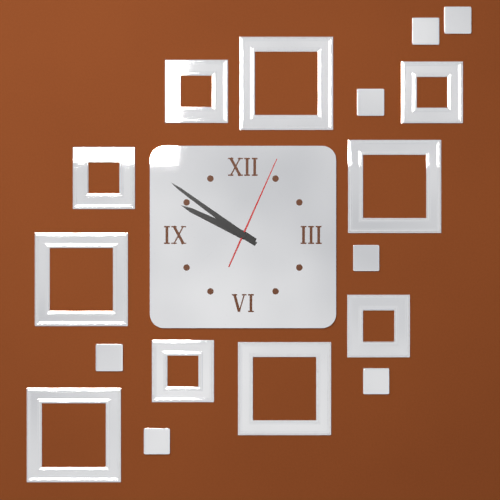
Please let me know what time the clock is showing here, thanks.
9:51:04
